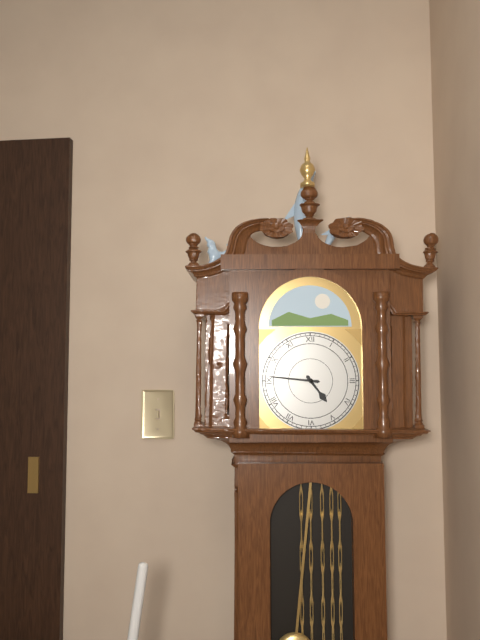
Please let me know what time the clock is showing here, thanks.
4:46
